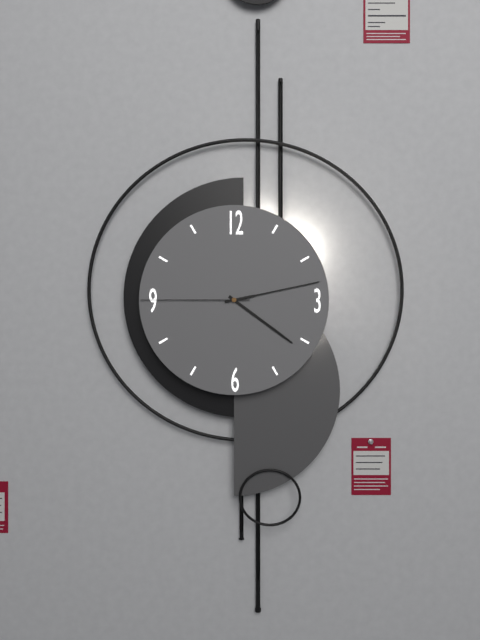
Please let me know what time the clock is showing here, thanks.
4:13:45
